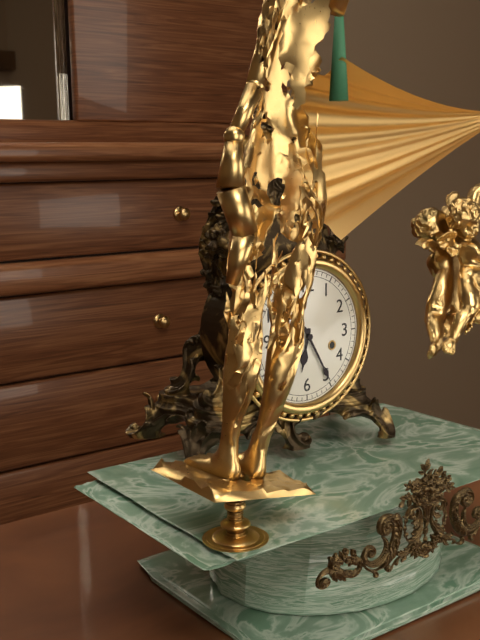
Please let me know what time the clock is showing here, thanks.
6:25
